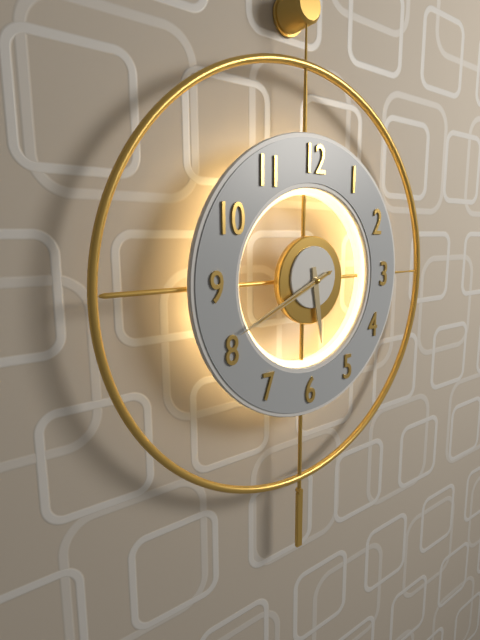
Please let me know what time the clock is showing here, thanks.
5:41:41
